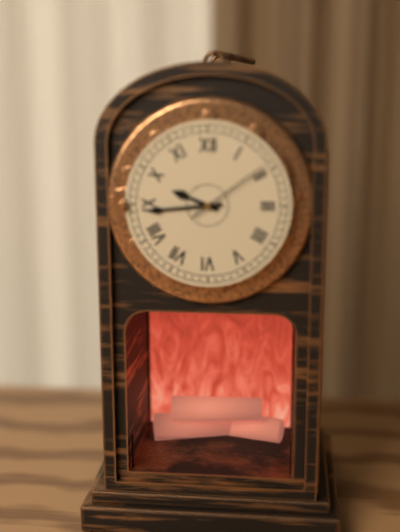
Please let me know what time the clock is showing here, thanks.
9:44:09
